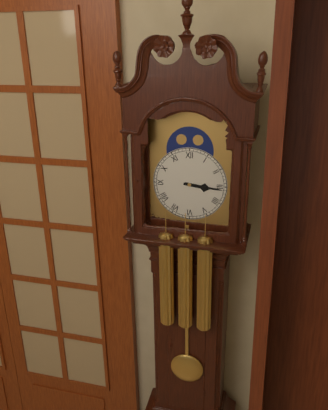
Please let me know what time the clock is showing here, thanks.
3:16
